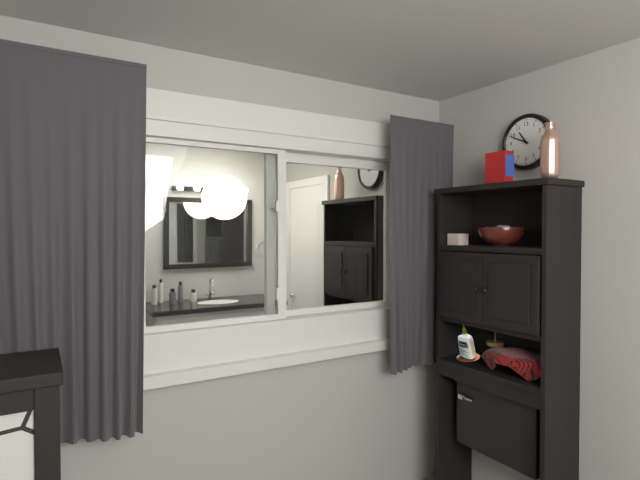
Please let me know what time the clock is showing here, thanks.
10:49
